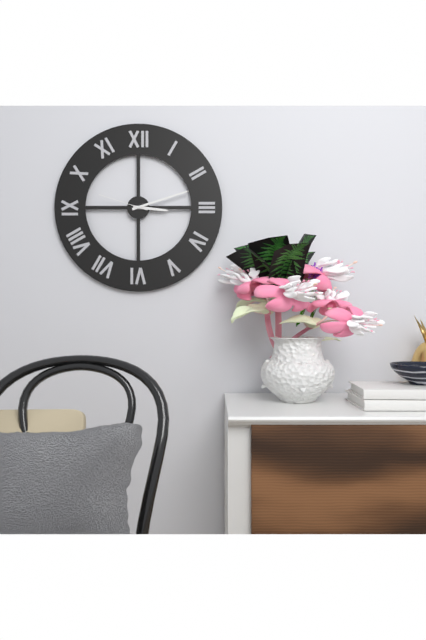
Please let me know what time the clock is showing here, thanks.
3:12:48
